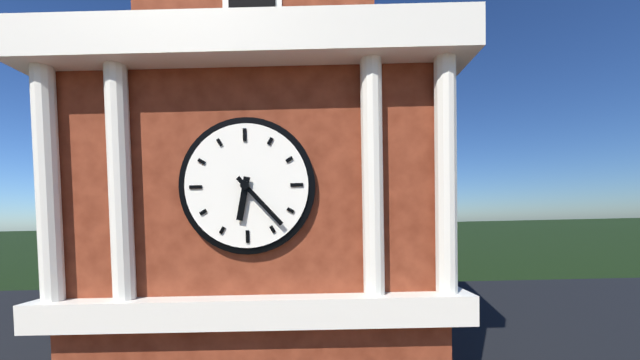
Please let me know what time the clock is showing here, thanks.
6:23
